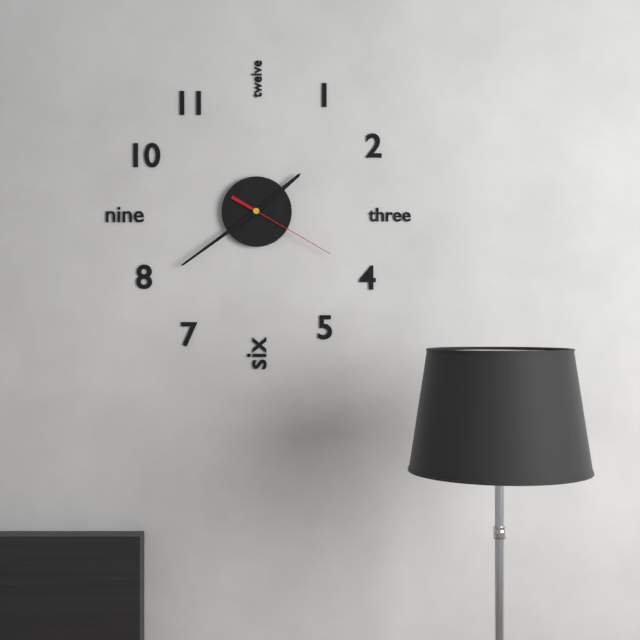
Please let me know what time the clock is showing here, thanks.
1:39:20
